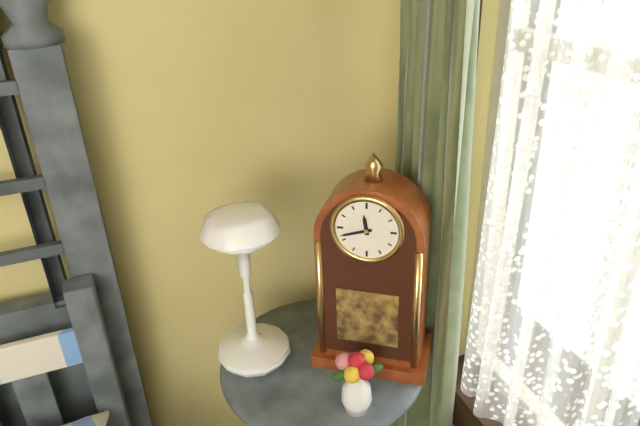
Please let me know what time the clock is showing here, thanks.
11:42
